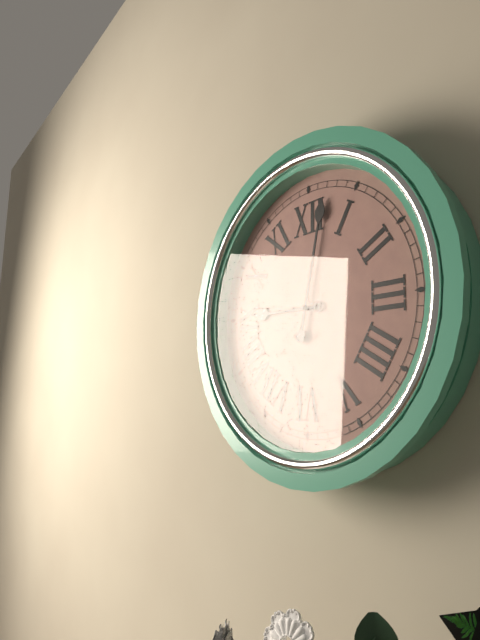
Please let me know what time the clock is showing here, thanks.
9:02
